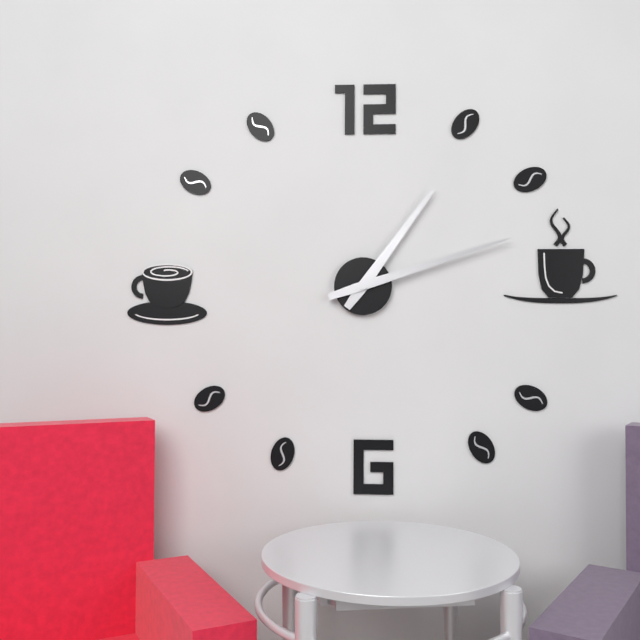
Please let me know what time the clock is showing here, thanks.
1:12
